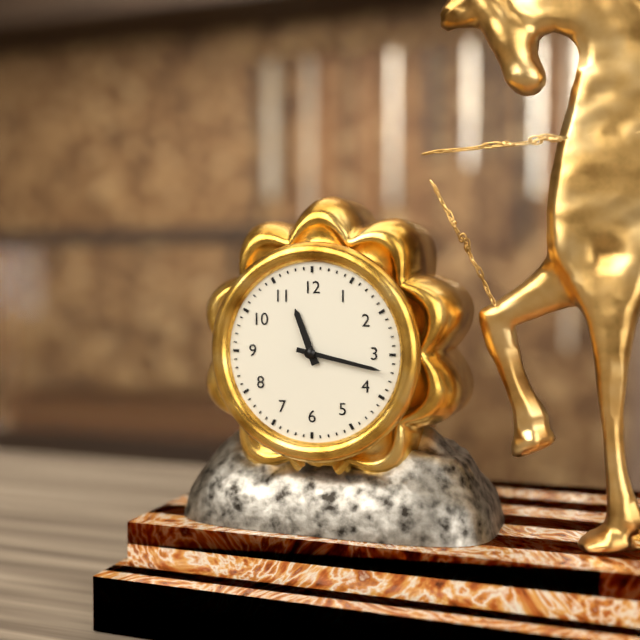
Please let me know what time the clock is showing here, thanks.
11:17
